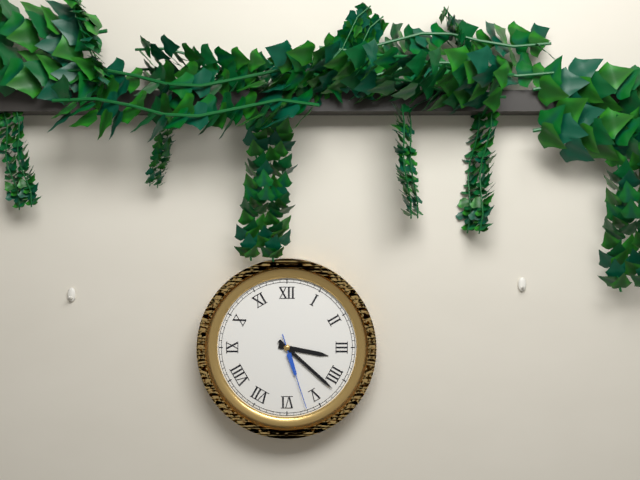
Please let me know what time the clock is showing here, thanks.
3:22:27
